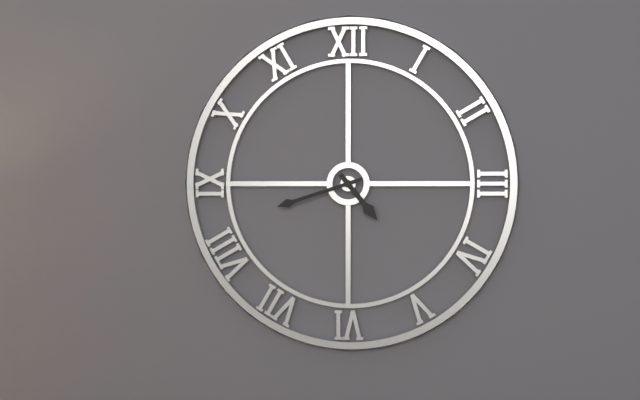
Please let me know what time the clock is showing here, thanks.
4:42
